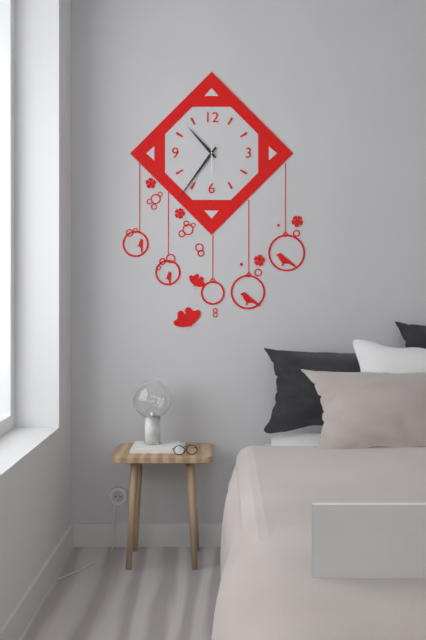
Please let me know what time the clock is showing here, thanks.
10:36
